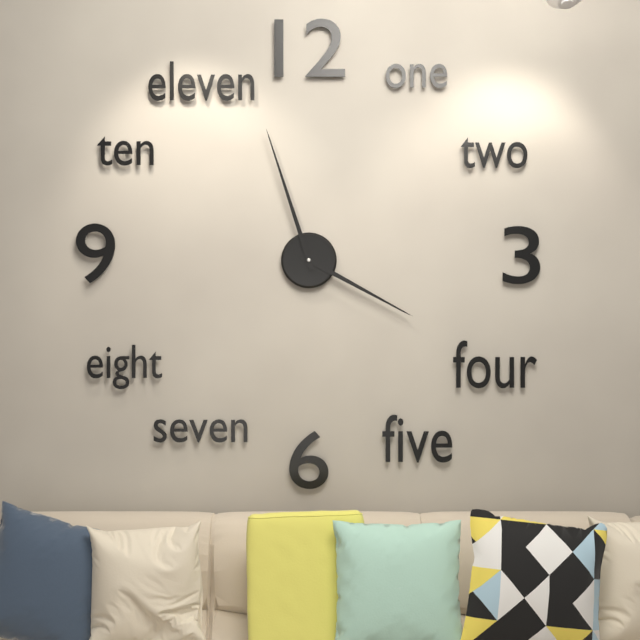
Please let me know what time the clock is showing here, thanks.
3:57
